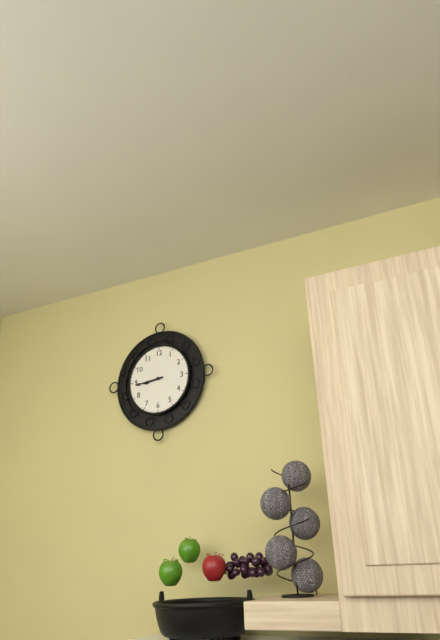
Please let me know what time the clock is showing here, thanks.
8:44
